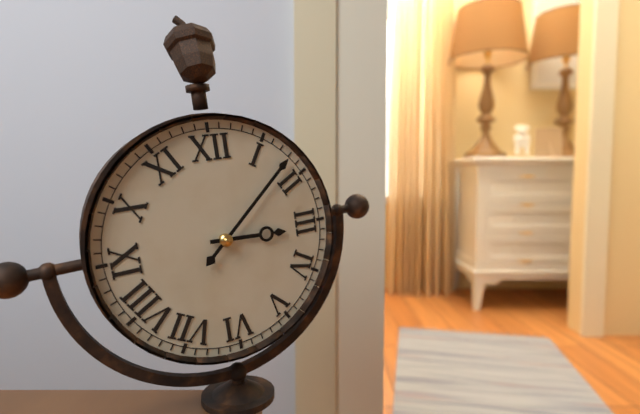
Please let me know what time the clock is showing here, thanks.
3:08
